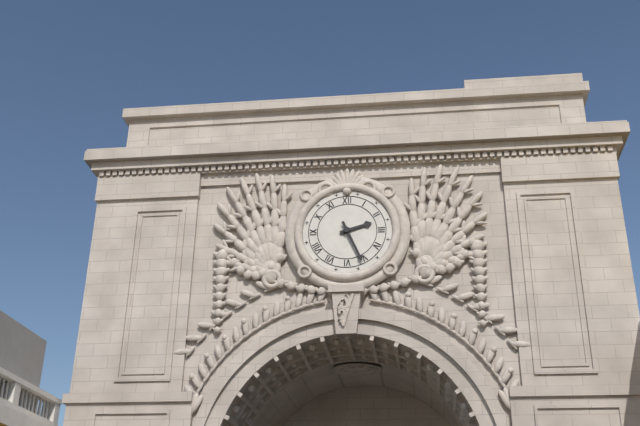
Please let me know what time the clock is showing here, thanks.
2:26
